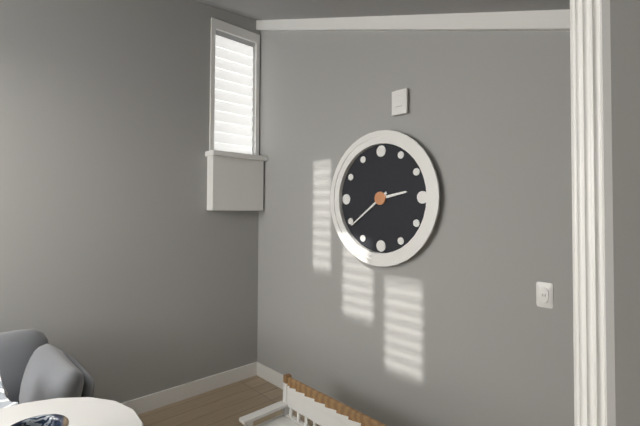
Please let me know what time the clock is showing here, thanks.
2:39
